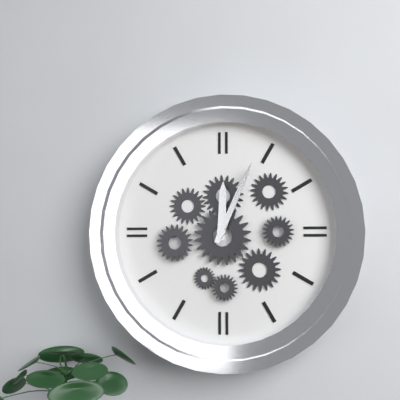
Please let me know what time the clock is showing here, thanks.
12:04
